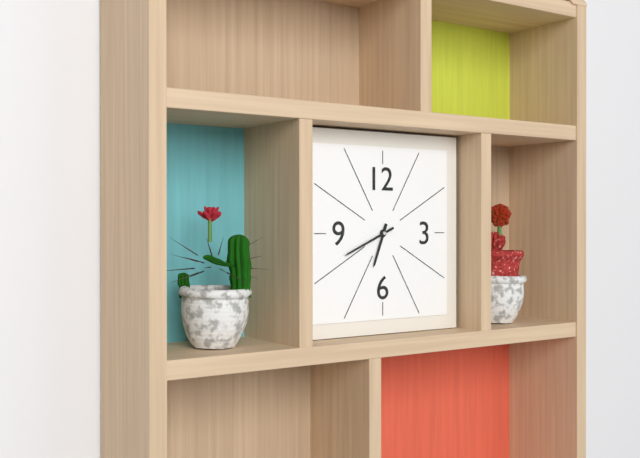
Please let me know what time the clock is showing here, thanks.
6:41
